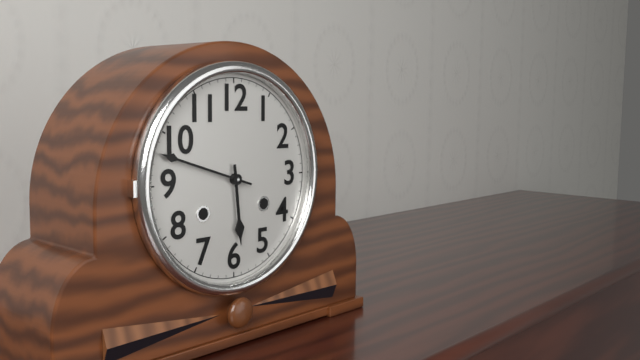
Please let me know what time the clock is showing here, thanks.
5:48
